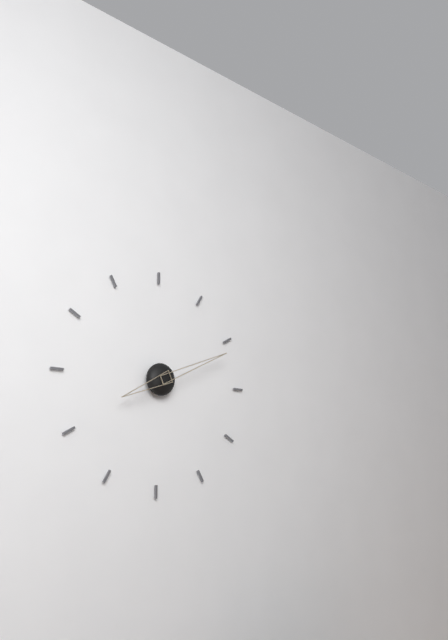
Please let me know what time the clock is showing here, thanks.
8:11
